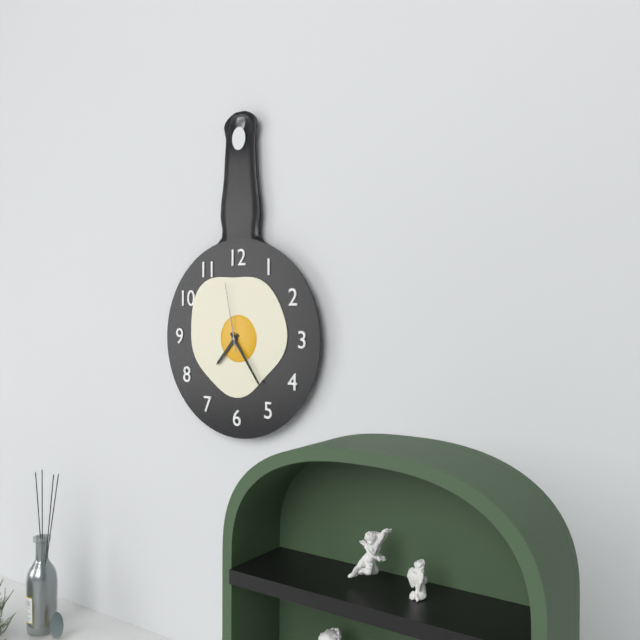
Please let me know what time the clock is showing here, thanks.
7:24:58
